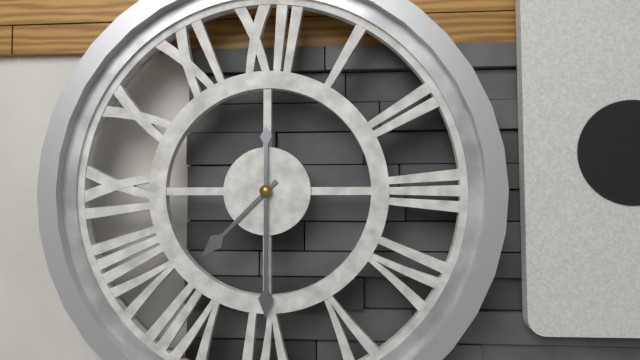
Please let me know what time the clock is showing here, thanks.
7:30
